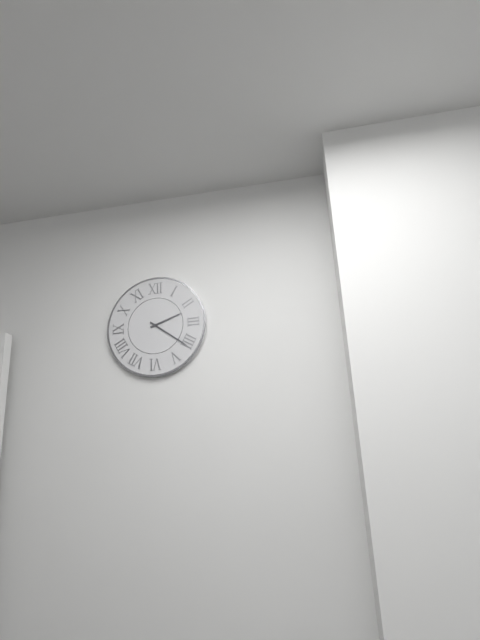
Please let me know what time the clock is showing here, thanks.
2:21
